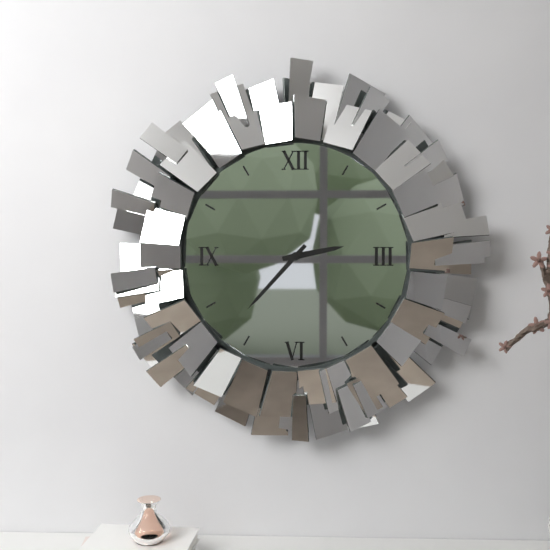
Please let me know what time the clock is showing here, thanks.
2:37
